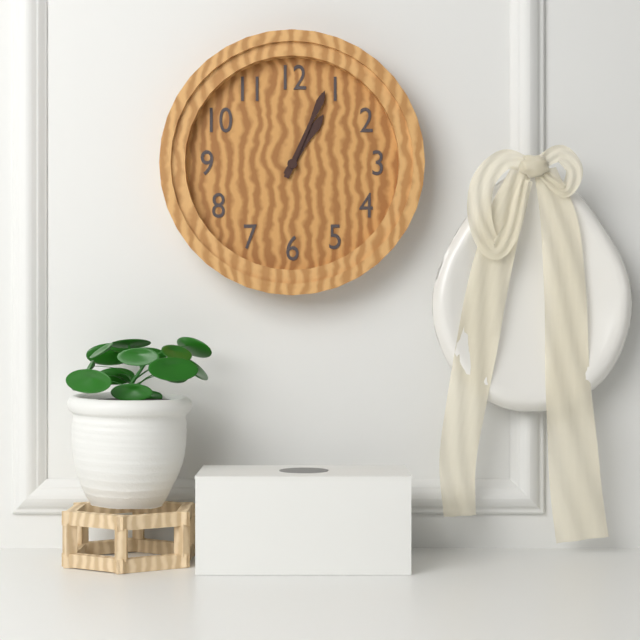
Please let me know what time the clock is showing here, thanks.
1:04
